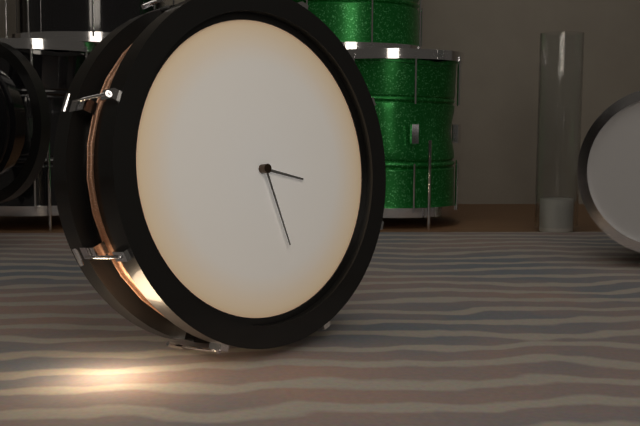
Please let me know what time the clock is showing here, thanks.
3:27
